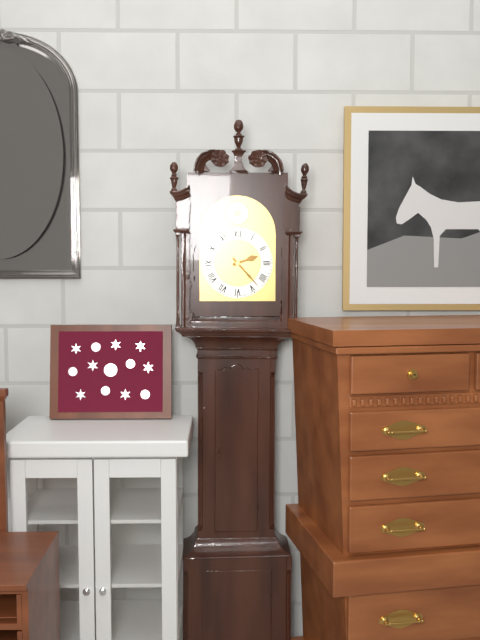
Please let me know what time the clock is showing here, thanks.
2:23
